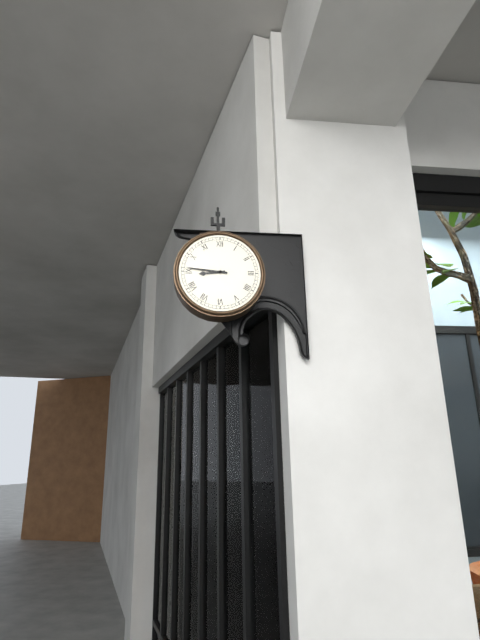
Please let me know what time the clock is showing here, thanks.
8:46
